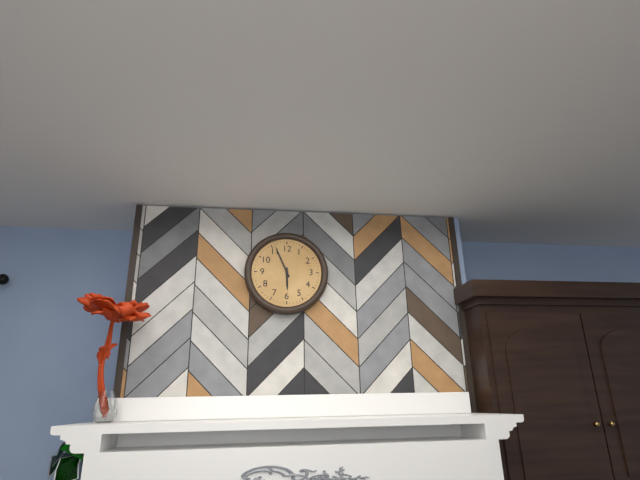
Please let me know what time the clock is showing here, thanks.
5:56
